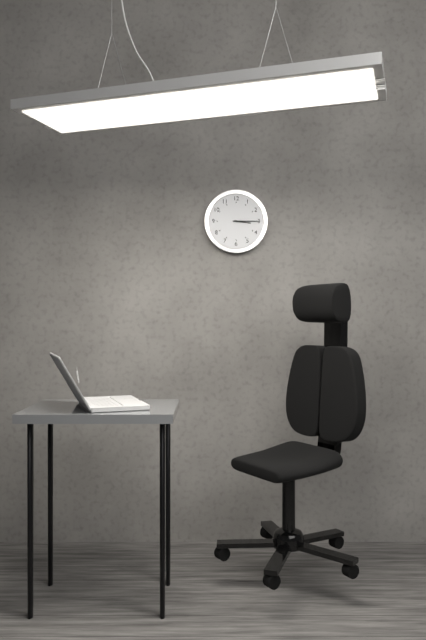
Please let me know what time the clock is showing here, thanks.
3:15
